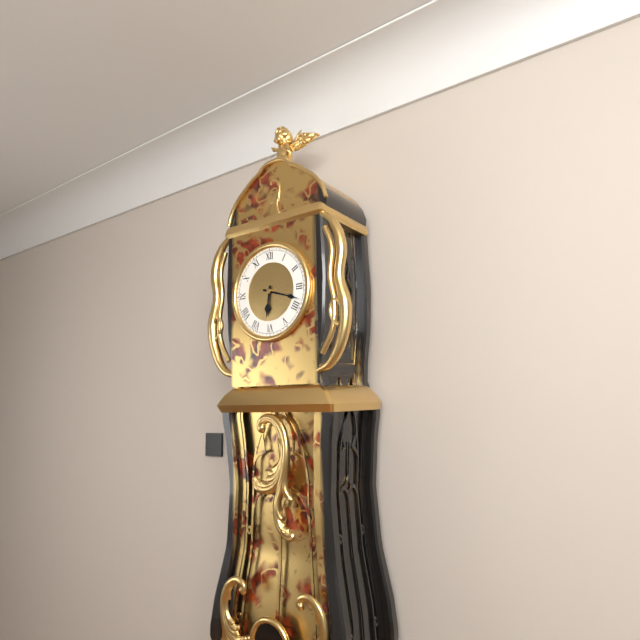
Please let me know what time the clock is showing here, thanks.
6:18
